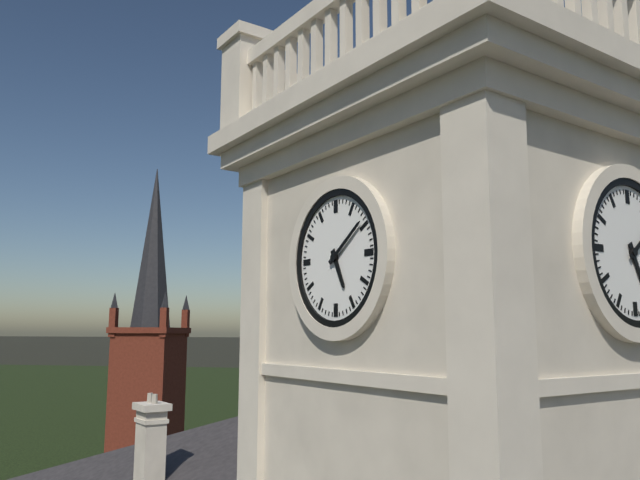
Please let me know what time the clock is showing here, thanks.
5:09
